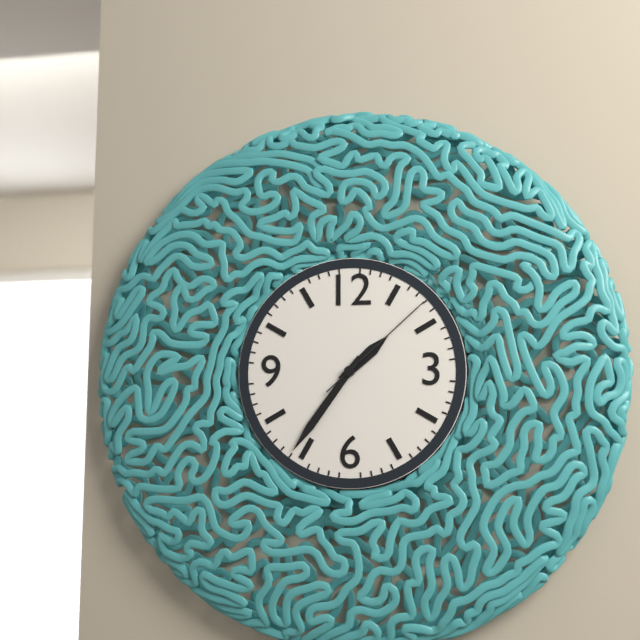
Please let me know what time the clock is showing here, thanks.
1:36:08
